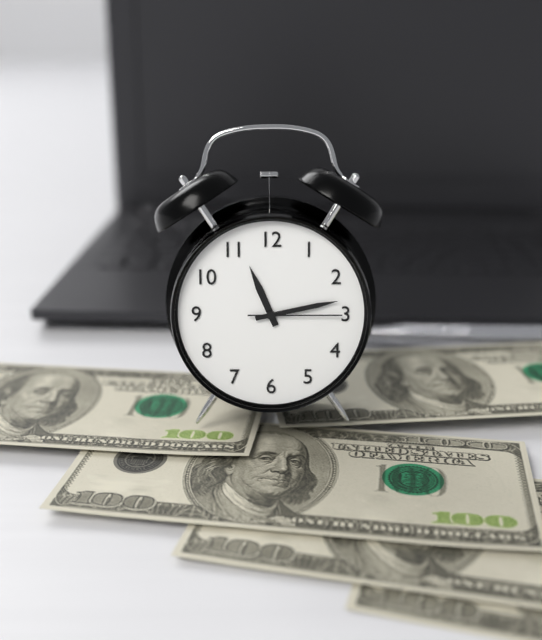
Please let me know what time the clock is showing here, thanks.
11:13:15
